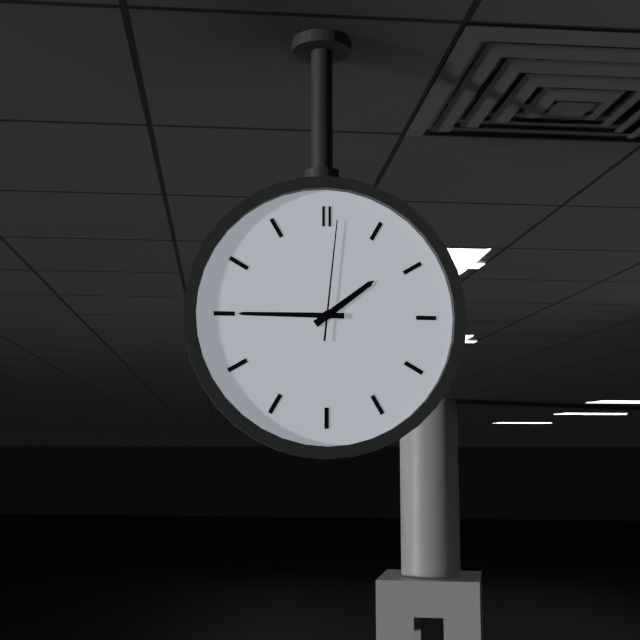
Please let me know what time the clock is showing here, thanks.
1:45:01
